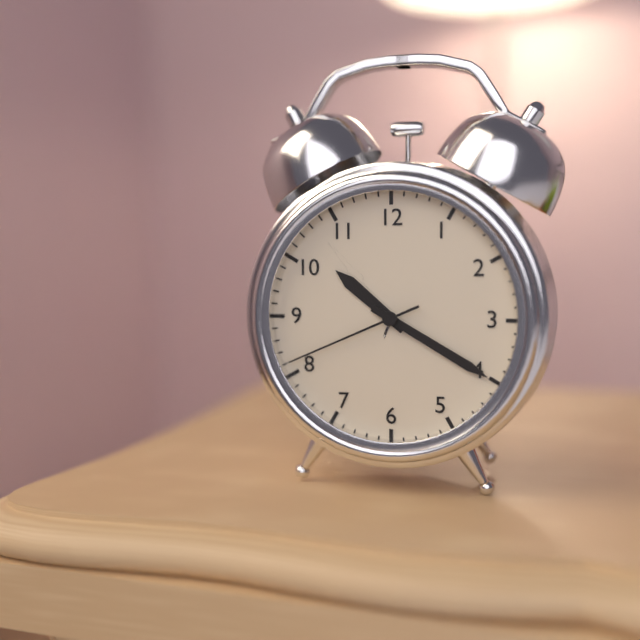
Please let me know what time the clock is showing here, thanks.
10:20:41
